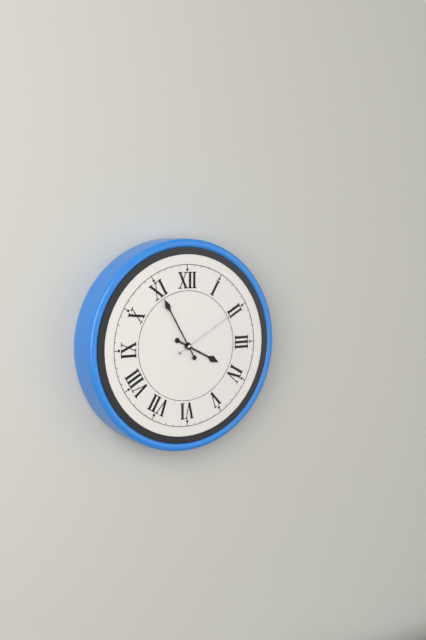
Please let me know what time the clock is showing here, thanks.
3:55:10
